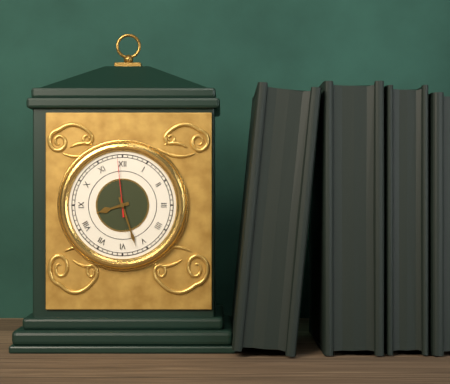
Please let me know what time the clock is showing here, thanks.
8:27:59
